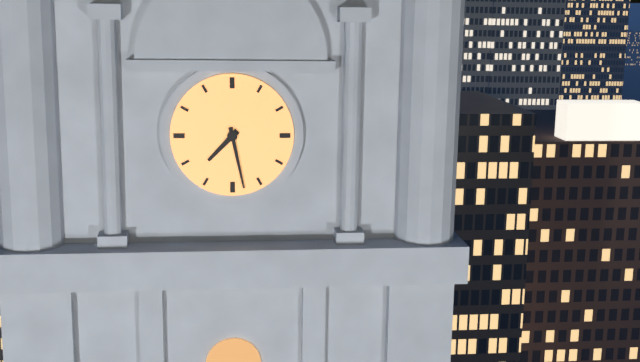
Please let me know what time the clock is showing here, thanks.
7:28
